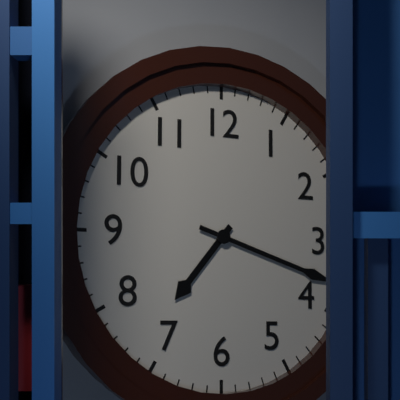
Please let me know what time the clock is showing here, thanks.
7:18
